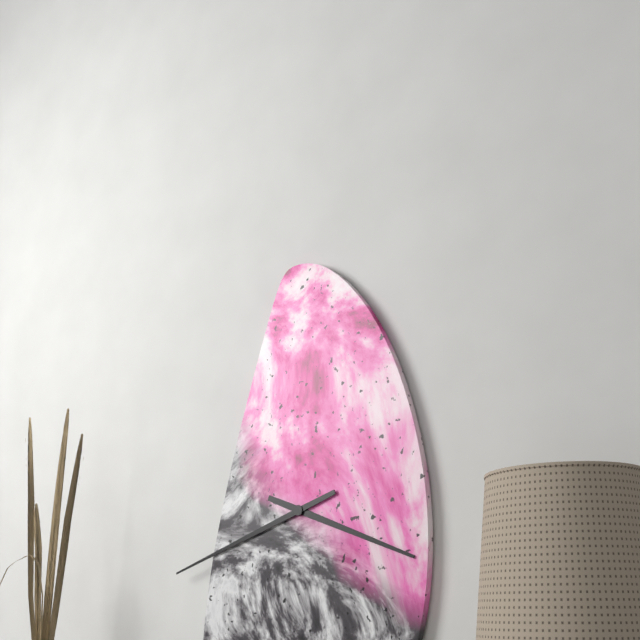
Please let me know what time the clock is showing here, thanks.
3:42
